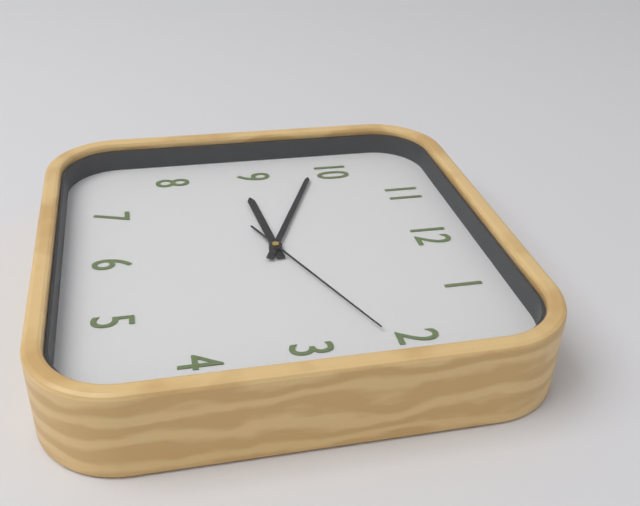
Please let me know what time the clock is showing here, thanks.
8:49:11
